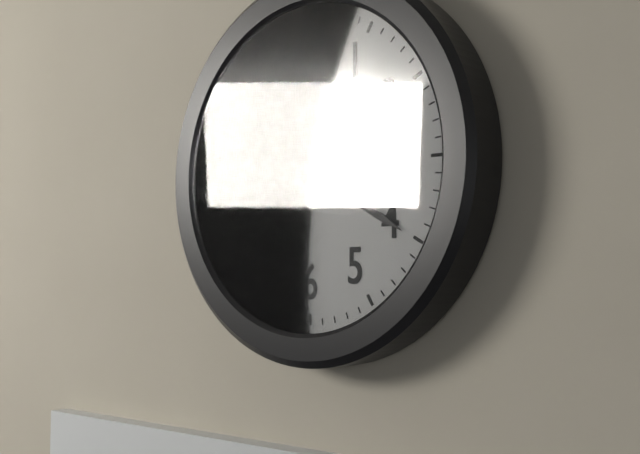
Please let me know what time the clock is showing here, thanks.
1:20
